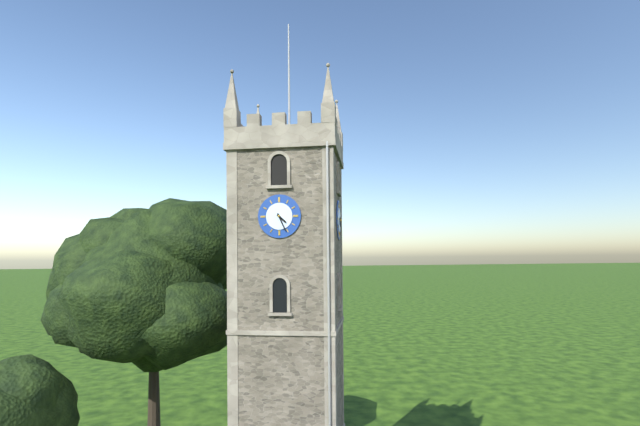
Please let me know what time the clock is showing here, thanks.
4:26
